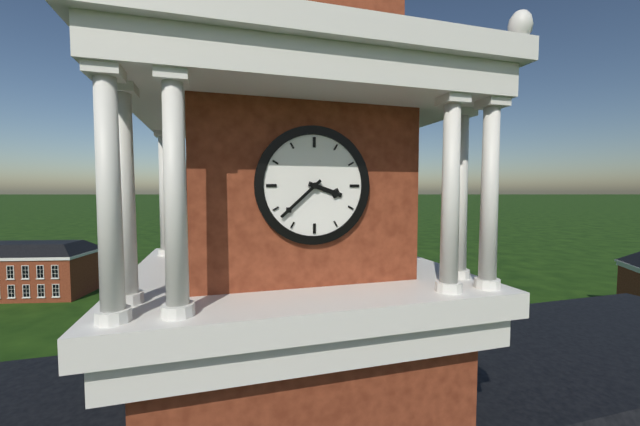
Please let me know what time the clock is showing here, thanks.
3:38
